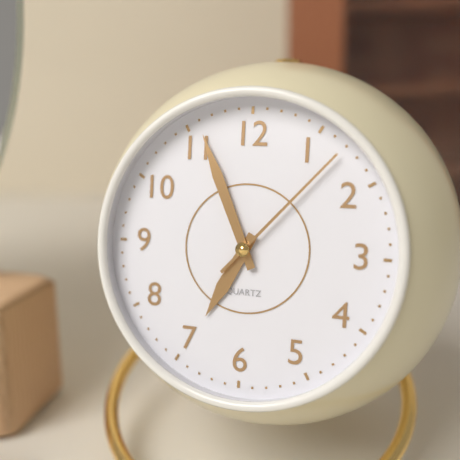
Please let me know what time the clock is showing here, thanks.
6:56:07
